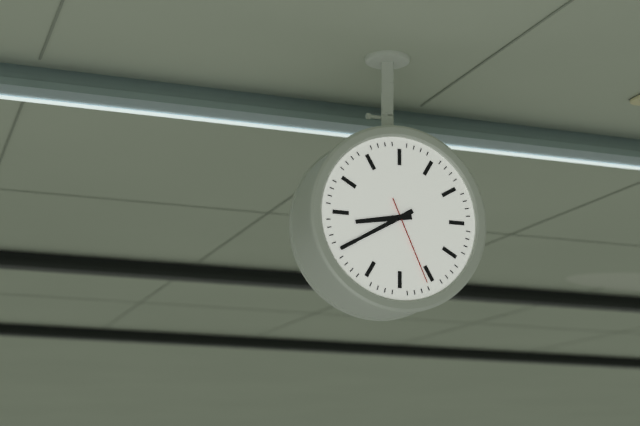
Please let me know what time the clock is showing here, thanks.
8:40:26
